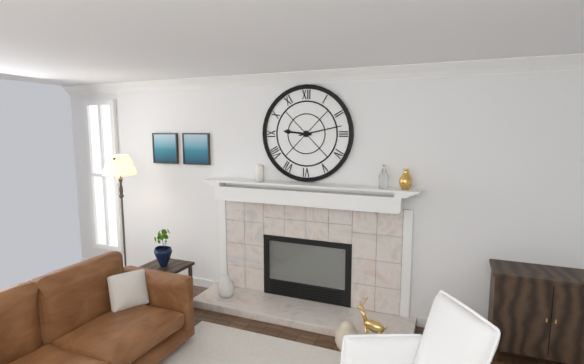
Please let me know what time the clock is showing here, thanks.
9:13
